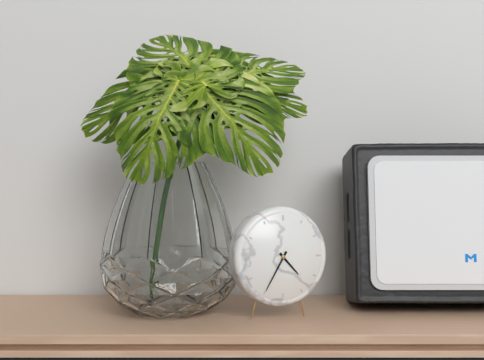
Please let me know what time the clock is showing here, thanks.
4:35
